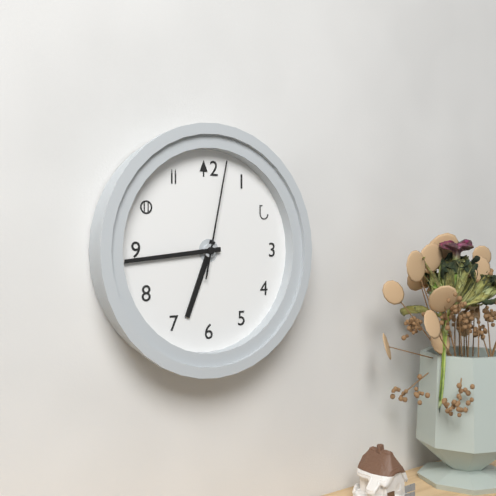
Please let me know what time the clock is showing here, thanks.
6:44:02
